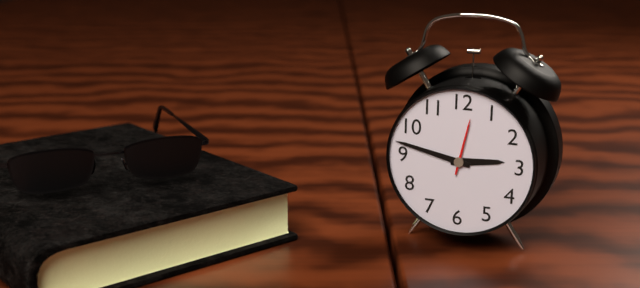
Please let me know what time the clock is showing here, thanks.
2:47:02
